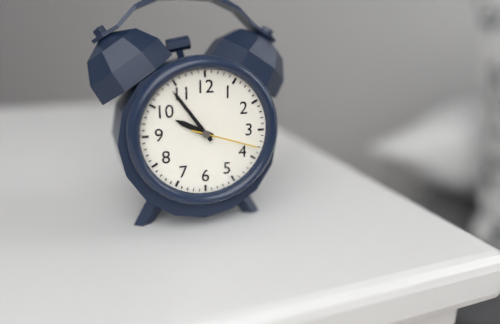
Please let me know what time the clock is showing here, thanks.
9:54:18
